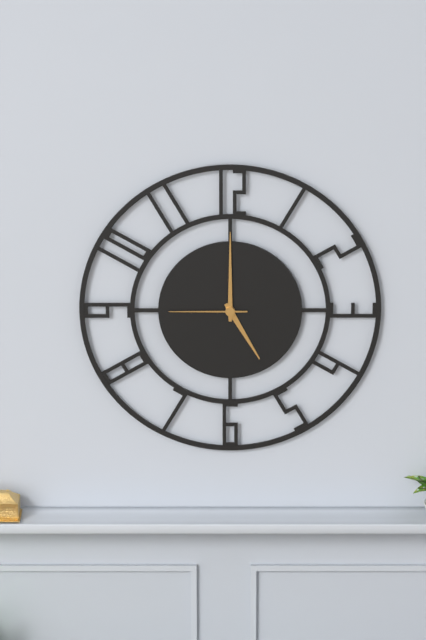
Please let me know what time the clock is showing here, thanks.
5:00:45
